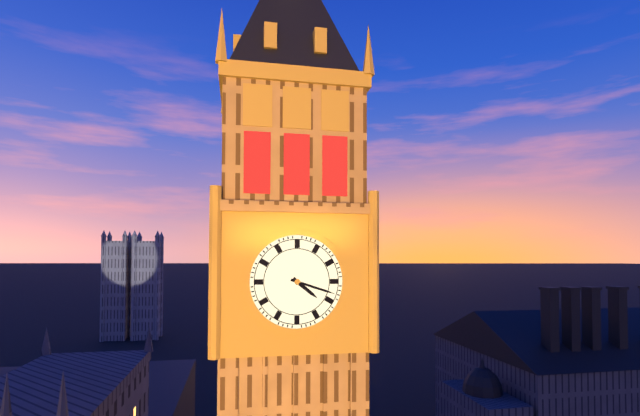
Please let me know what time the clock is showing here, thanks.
4:18
